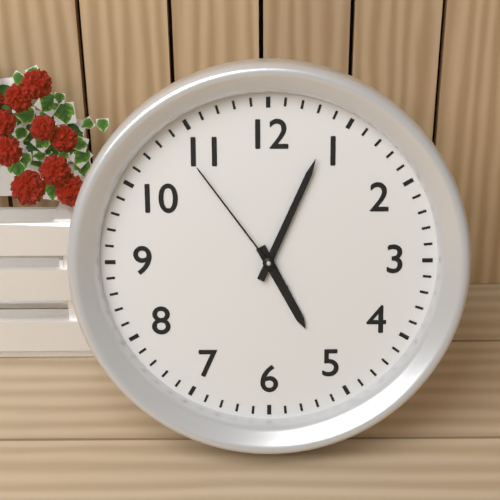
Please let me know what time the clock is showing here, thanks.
5:04:54
